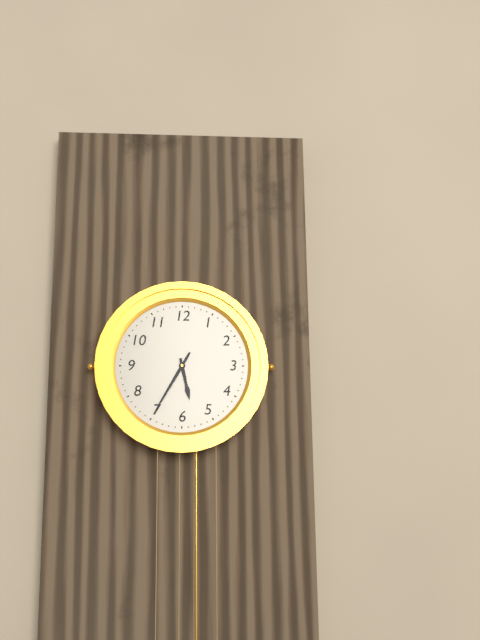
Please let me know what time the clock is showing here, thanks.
5:35
